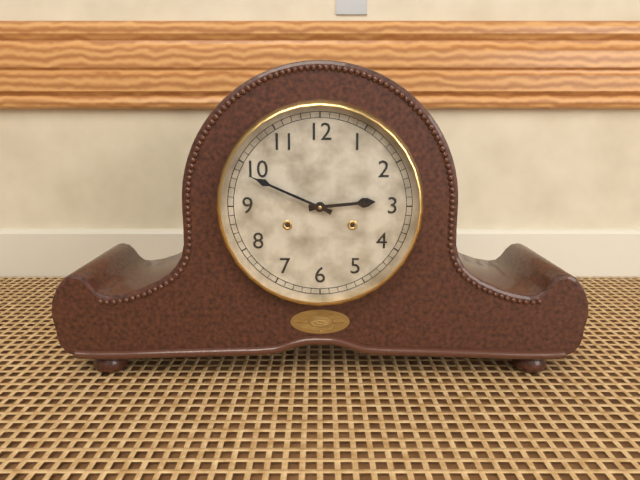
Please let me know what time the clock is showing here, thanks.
2:49
